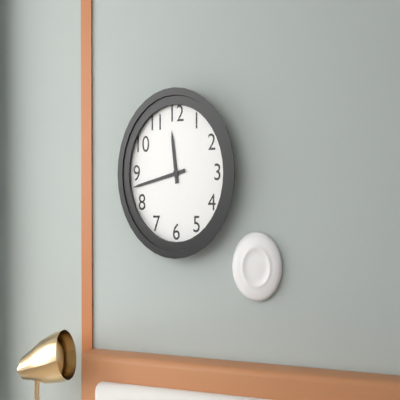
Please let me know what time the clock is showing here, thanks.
11:43
